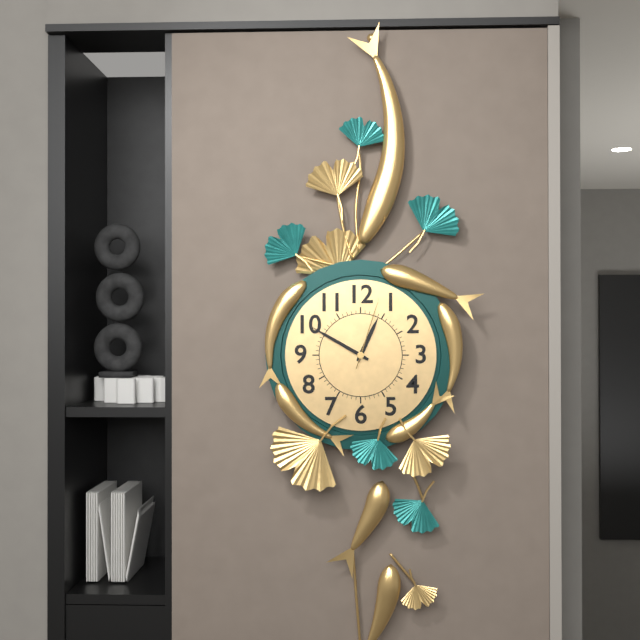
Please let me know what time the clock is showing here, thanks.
12:50:03
